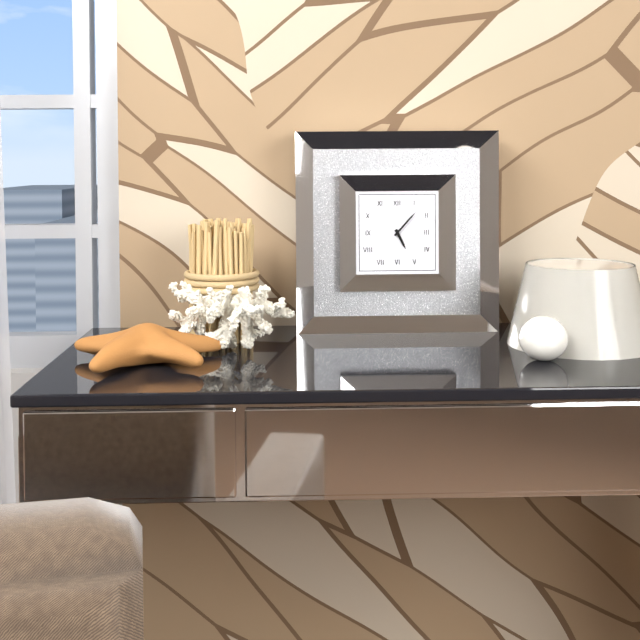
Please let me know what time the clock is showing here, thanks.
5:07
